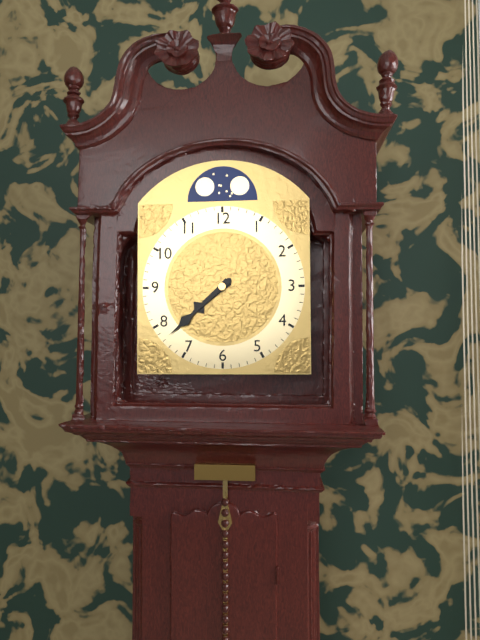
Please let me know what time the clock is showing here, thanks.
7:38
